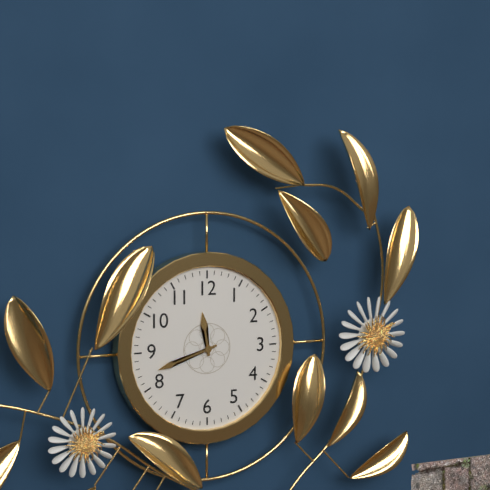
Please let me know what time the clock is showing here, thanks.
11:42
